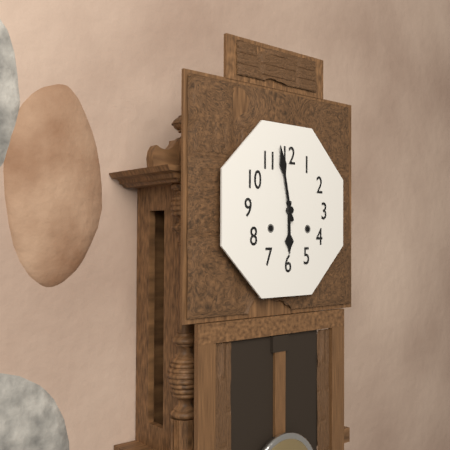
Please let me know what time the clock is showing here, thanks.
5:58
